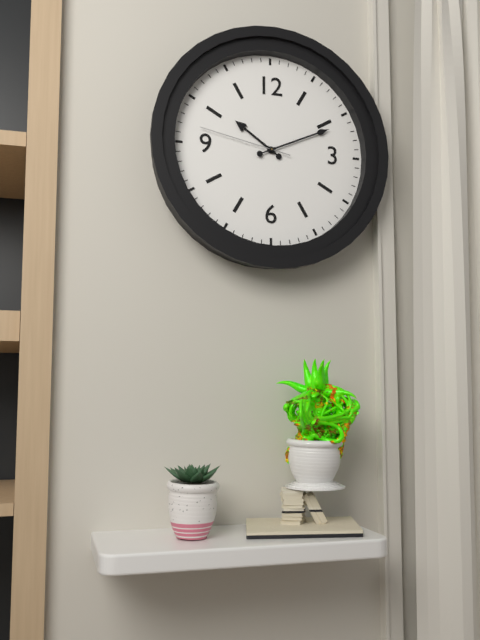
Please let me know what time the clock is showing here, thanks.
10:11:47
